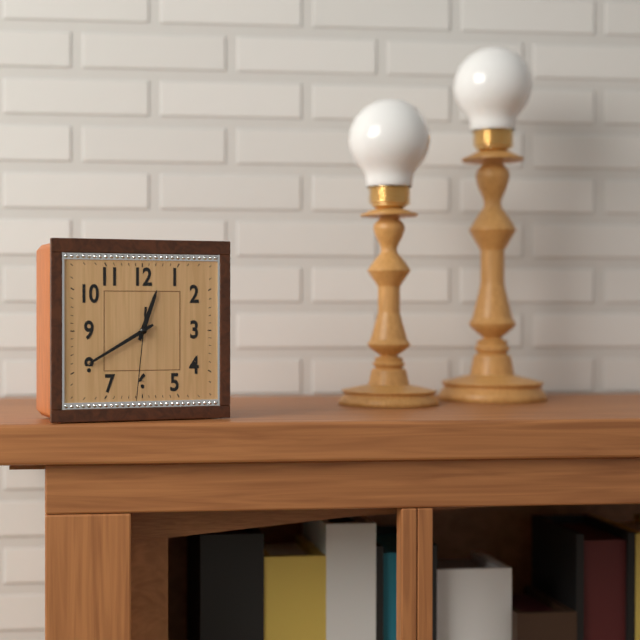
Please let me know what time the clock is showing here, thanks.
12:40:31
